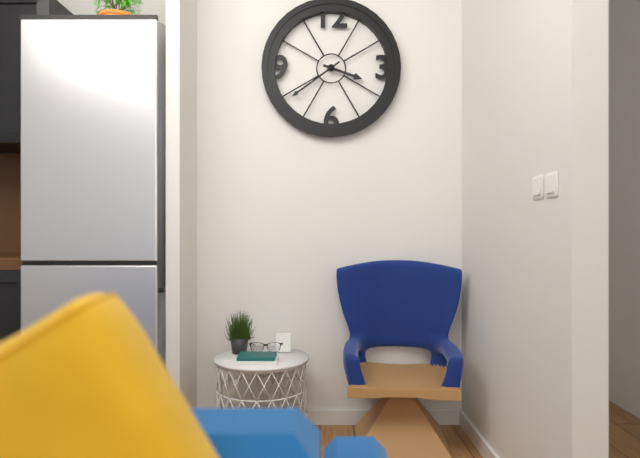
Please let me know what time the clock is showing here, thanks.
3:39
